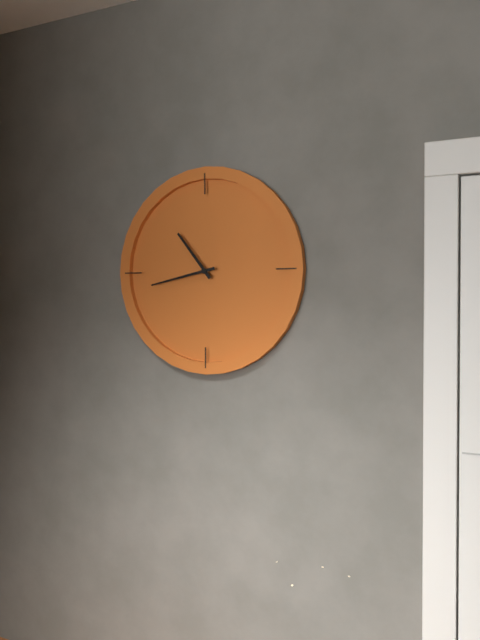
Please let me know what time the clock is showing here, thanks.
10:43
